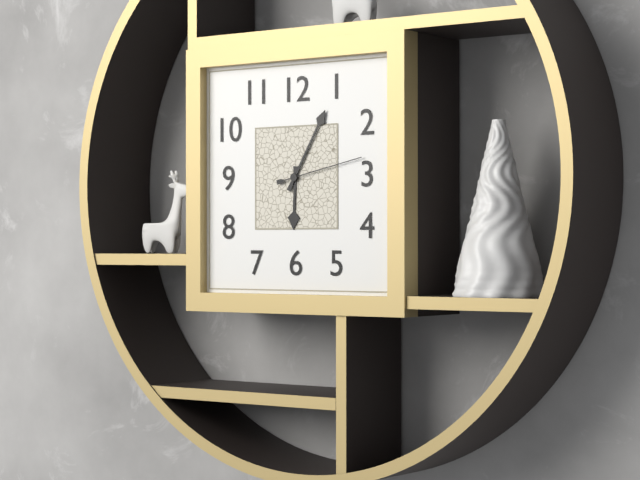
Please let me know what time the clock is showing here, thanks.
6:05:13
